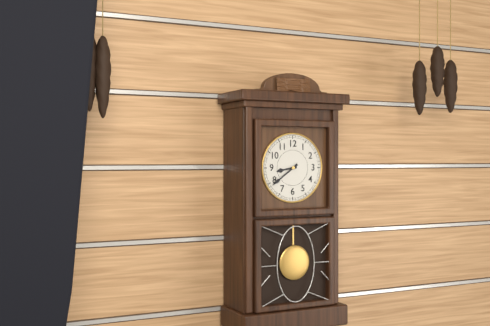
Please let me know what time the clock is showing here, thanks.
8:39
